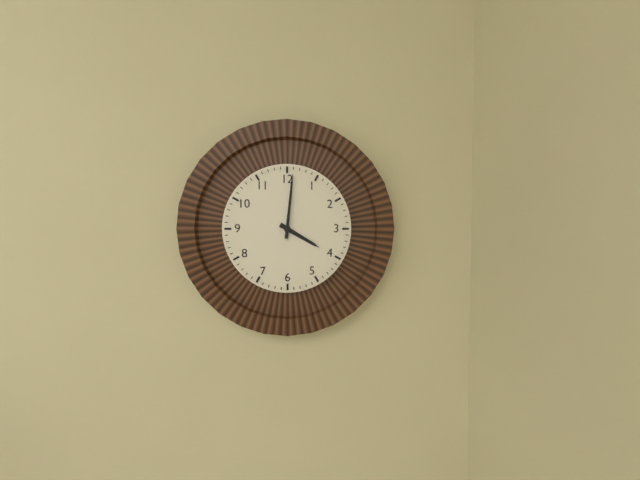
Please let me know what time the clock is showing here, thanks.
4:01
